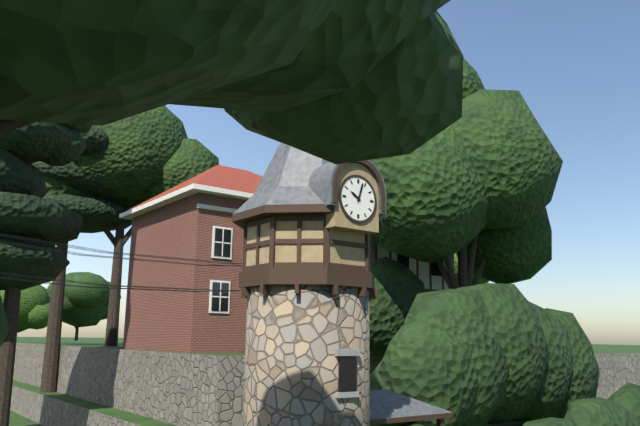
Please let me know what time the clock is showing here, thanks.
10:03
